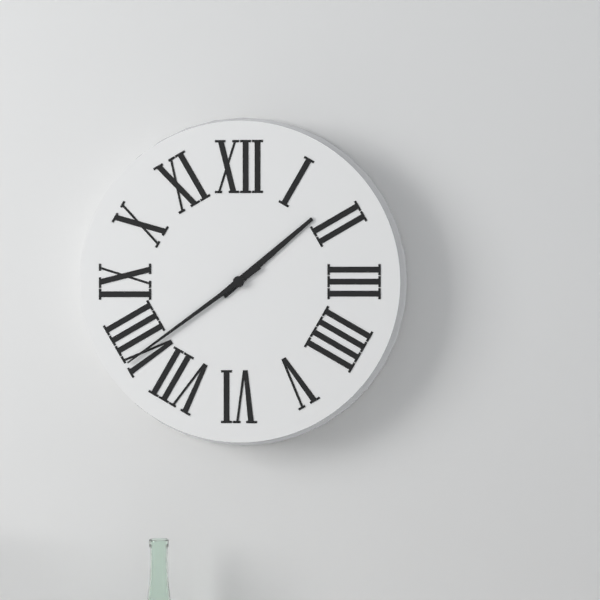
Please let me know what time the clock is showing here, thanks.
1:39
